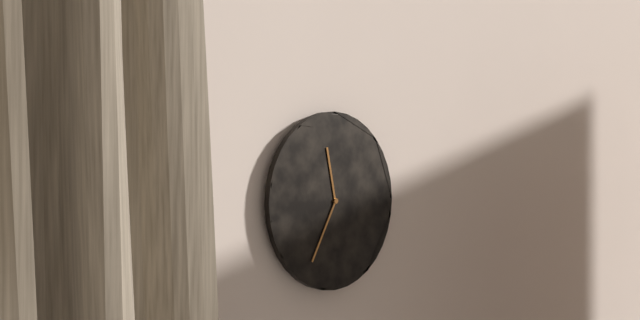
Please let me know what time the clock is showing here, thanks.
11:35
